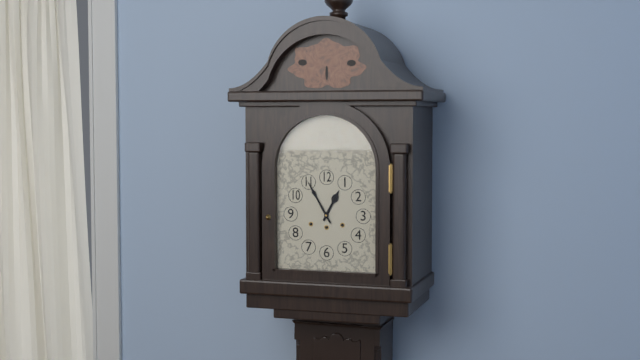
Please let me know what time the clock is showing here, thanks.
12:55
